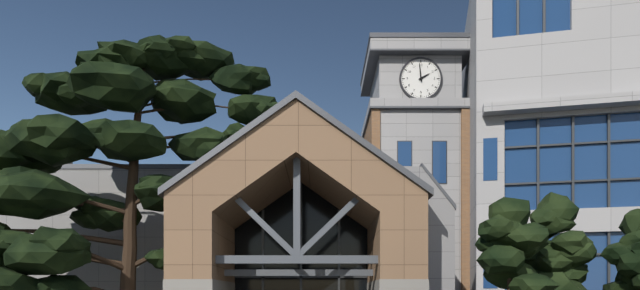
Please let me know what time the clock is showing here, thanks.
1:59
